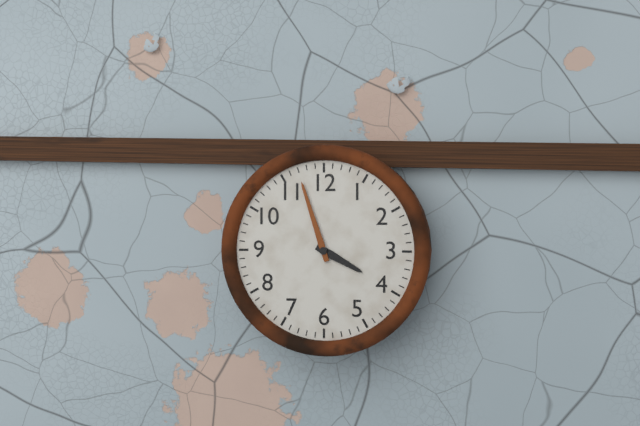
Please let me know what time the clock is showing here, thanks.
3:57
